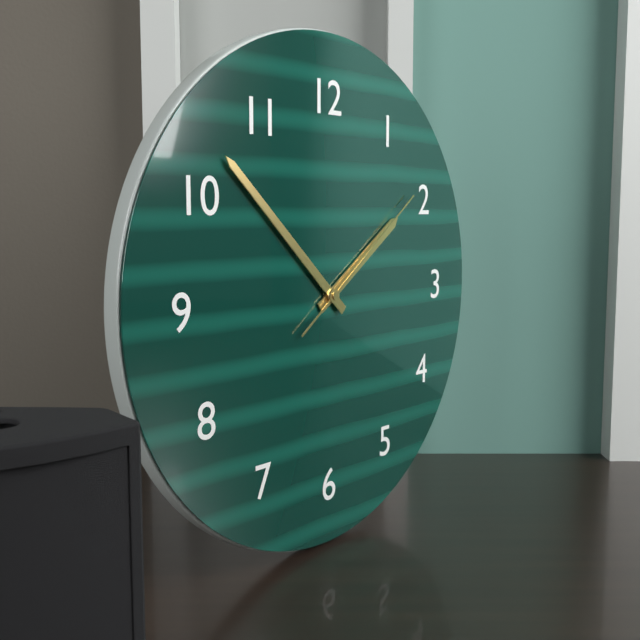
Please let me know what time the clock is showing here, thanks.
1:52:09
